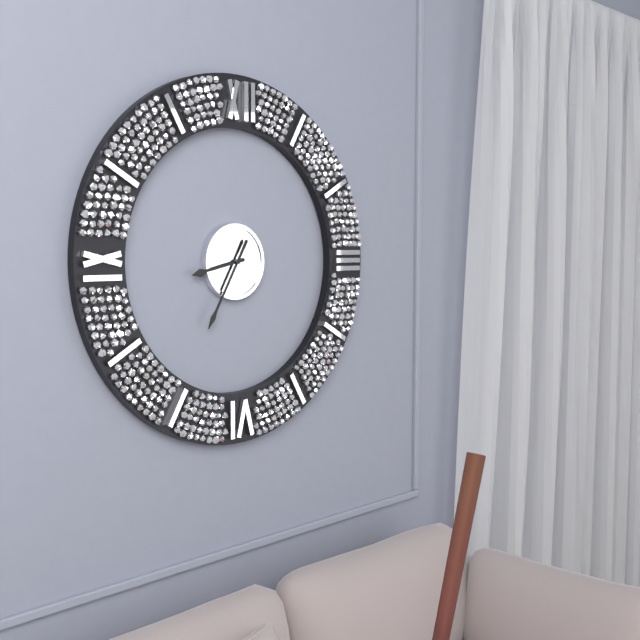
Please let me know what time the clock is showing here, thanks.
8:35
